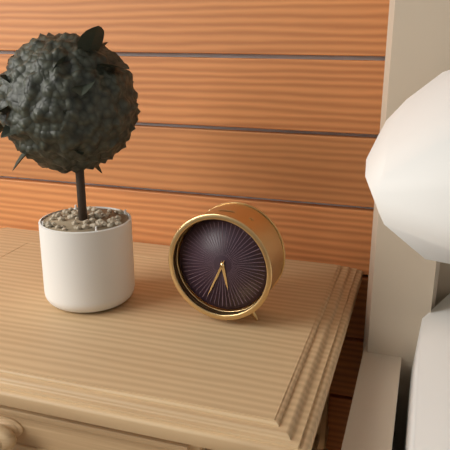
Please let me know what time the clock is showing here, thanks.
5:34
